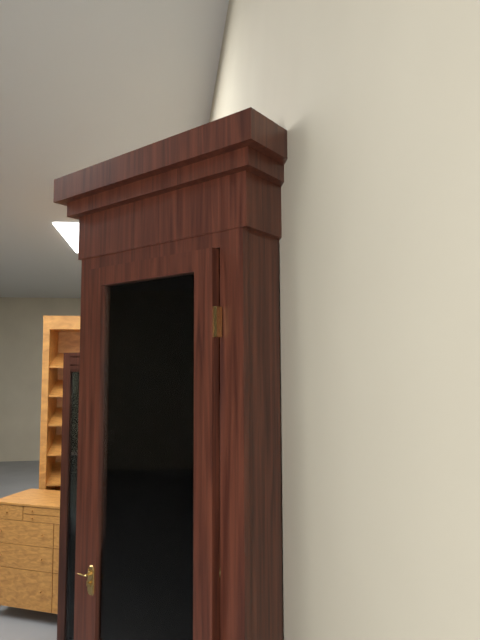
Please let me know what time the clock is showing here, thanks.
3:58
